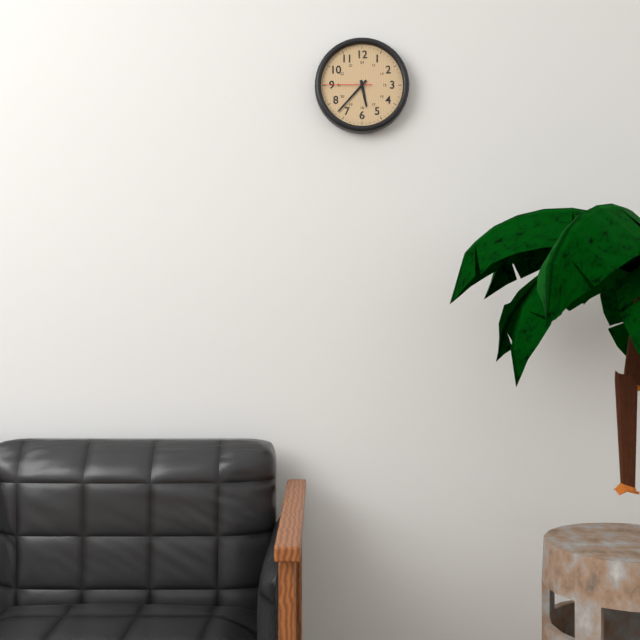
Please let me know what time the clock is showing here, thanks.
5:37
